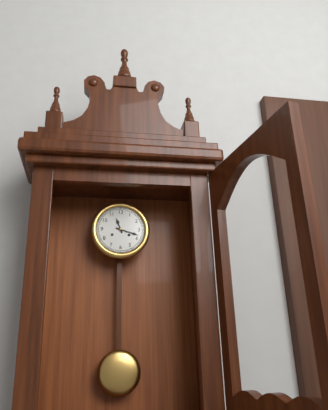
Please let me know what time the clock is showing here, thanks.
11:18
